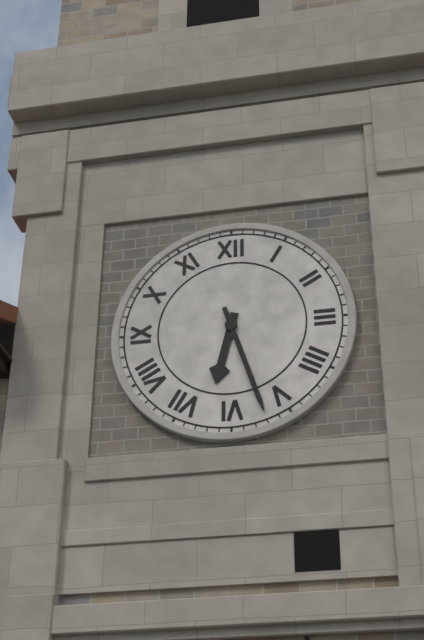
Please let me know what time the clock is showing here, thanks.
6:27
